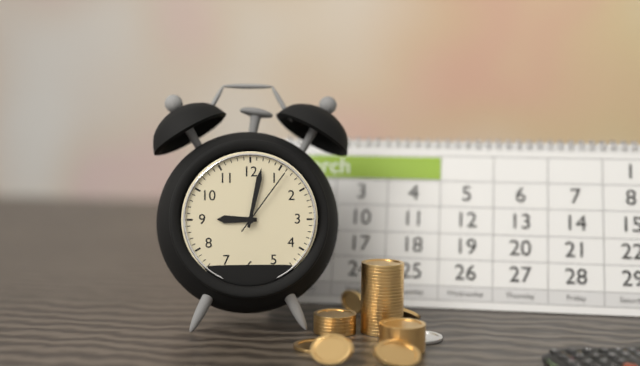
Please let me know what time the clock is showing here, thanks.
9:02:06
